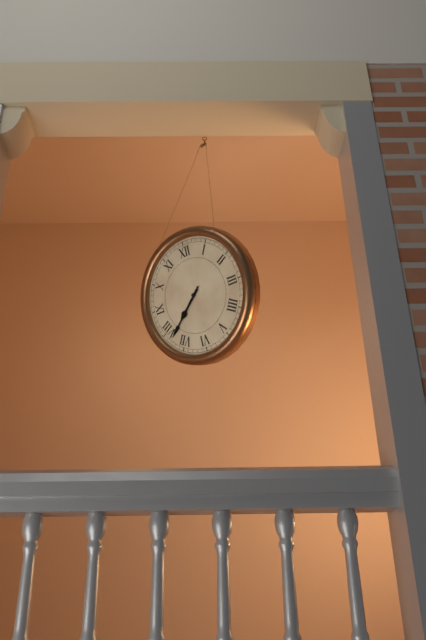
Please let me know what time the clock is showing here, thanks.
7:38
